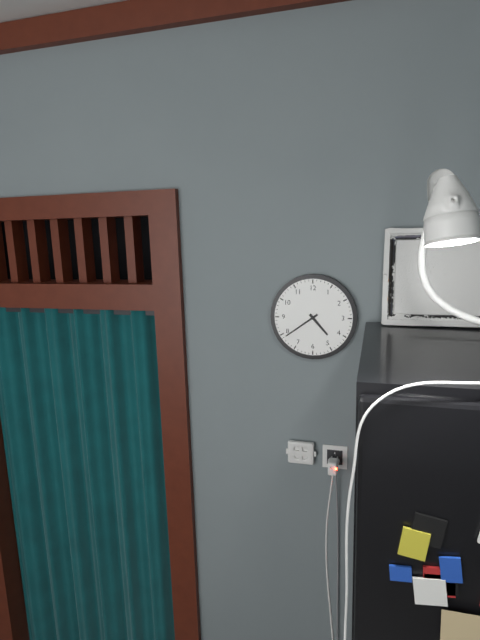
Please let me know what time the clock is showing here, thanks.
4:39
